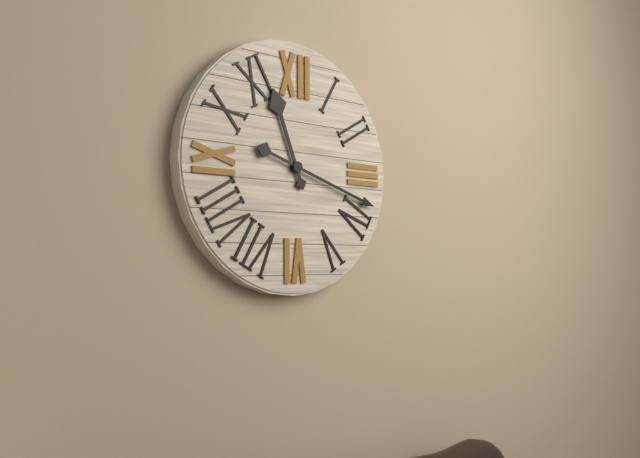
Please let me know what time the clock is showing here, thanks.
11:18
